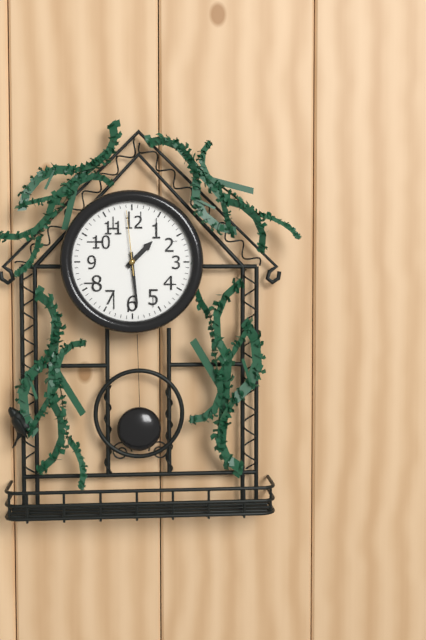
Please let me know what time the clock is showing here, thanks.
1:29:59
